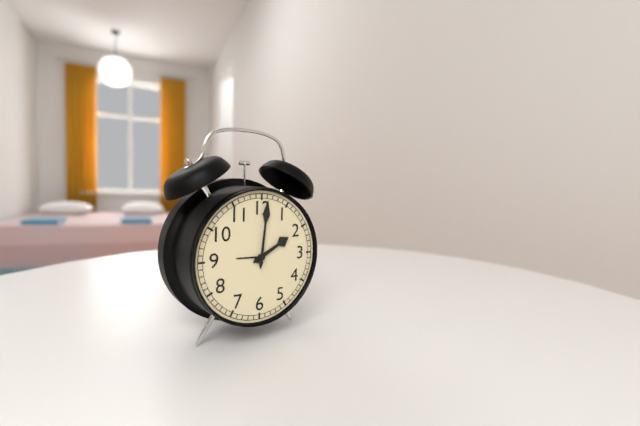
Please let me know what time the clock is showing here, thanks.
2:01
